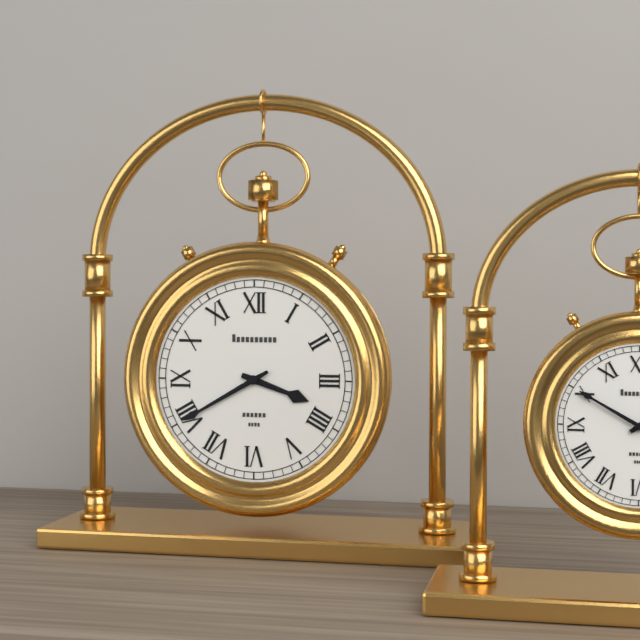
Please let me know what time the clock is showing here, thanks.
3:40
